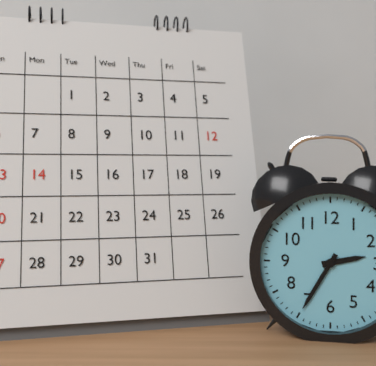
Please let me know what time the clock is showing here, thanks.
2:35
